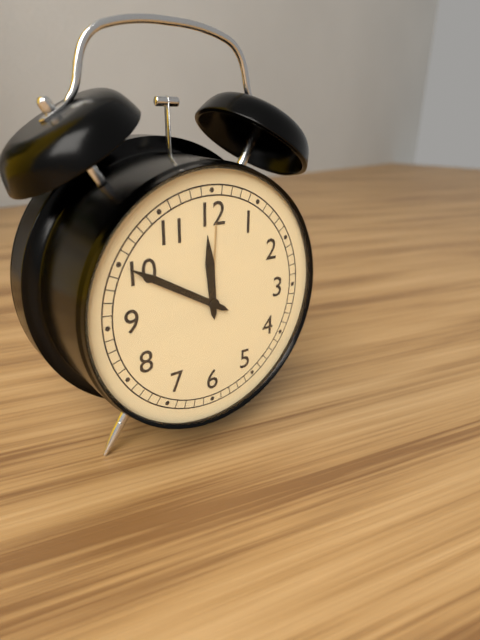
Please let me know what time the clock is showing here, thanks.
11:50
